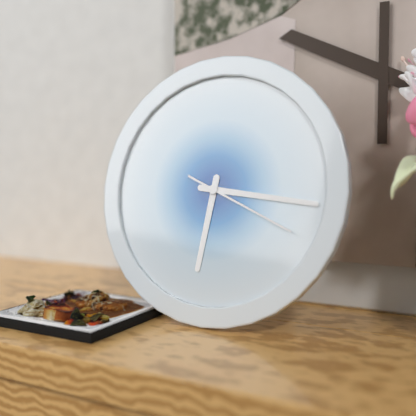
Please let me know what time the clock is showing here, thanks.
6:16:19
